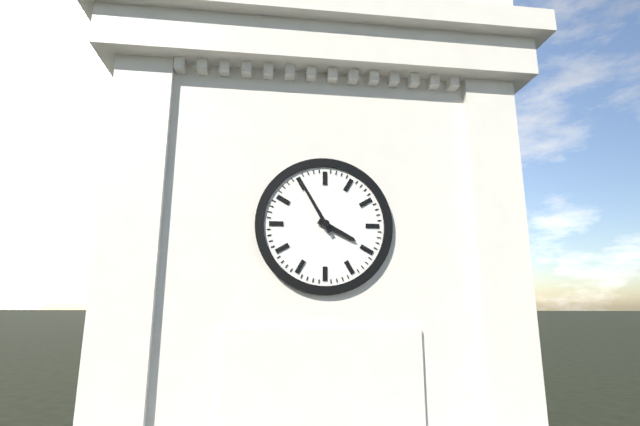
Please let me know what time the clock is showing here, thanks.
3:55
